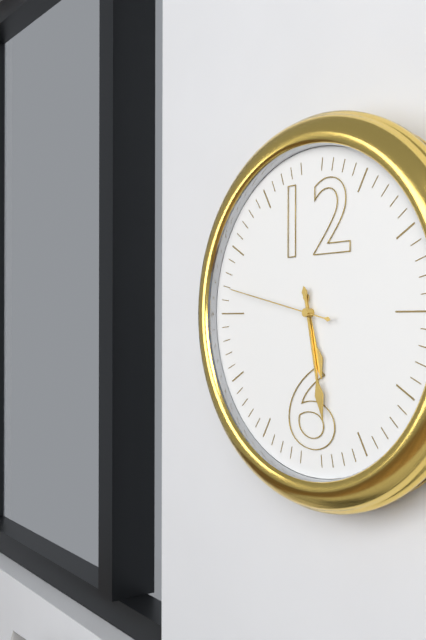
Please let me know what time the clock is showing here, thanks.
5:28:47
